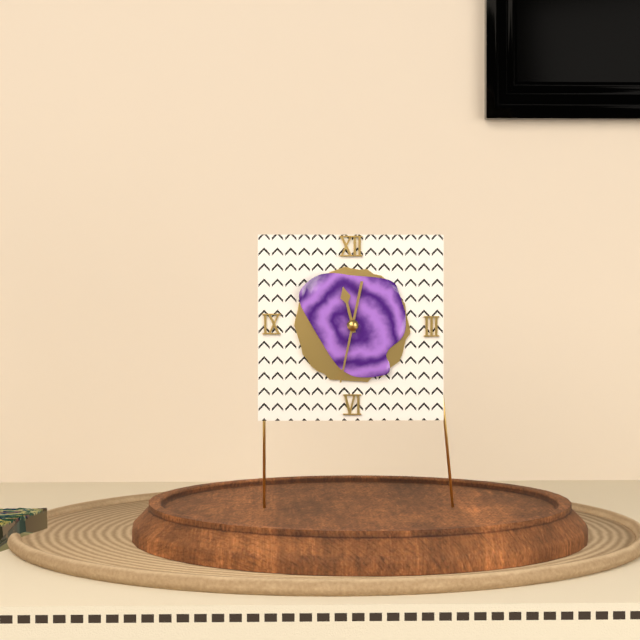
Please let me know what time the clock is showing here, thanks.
11:32
